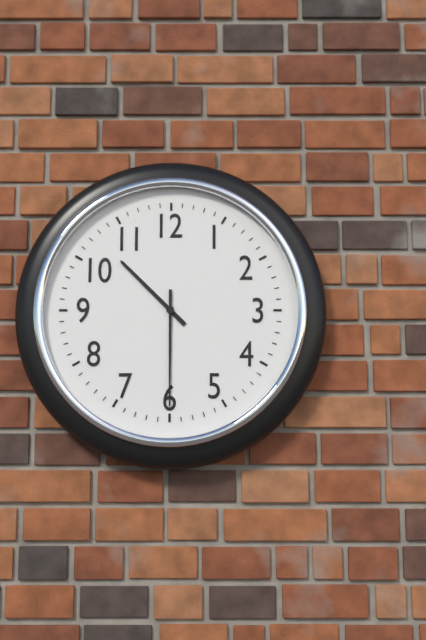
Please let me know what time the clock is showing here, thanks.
10:30
